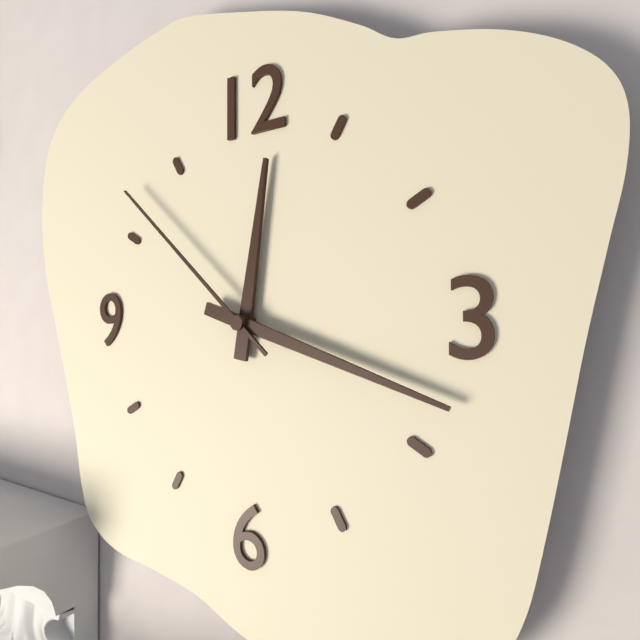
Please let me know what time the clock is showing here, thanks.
12:18:52
